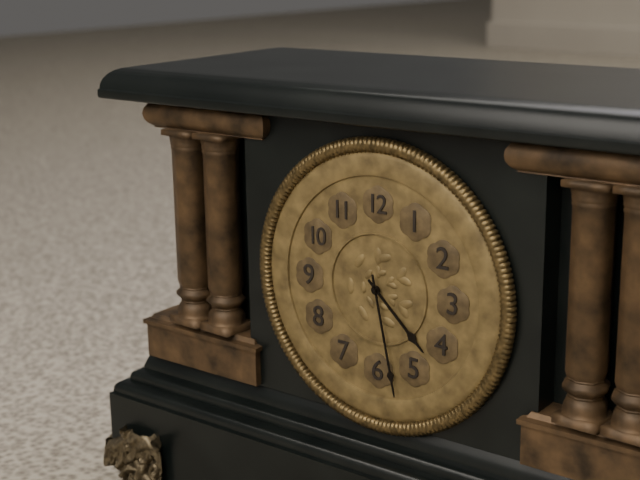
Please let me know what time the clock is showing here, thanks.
4:28
